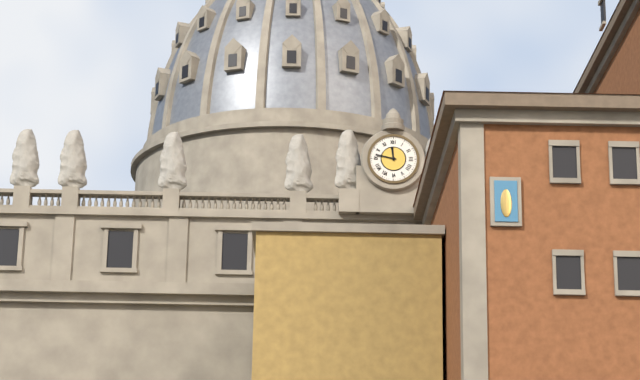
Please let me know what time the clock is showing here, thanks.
11:47
